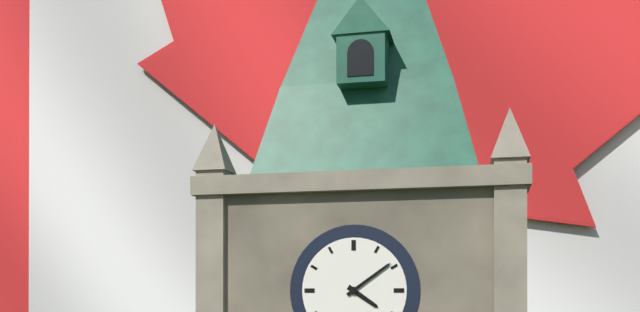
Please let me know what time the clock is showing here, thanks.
4:09
